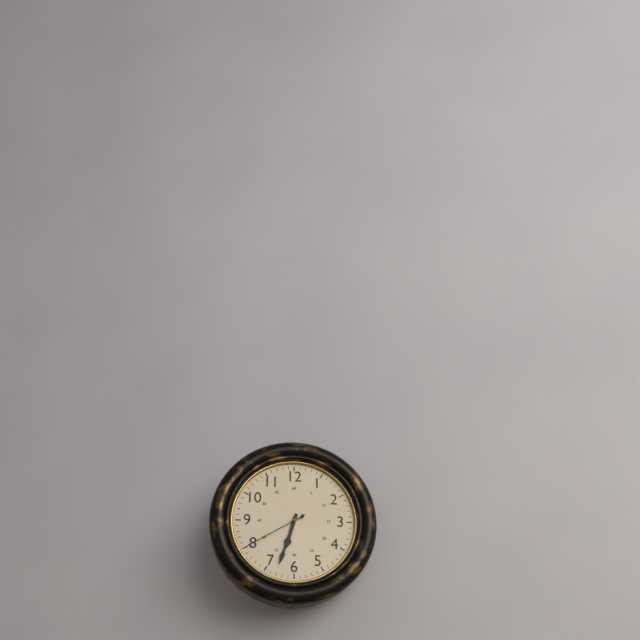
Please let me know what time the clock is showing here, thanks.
6:33:40
